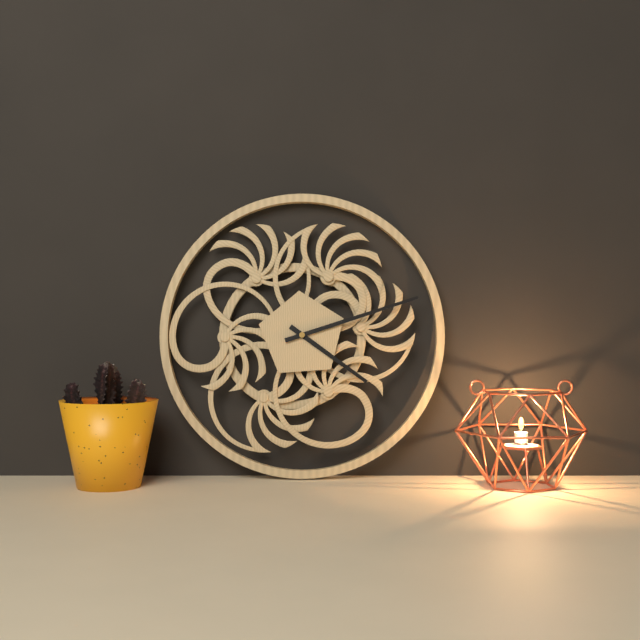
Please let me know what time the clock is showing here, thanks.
4:12
